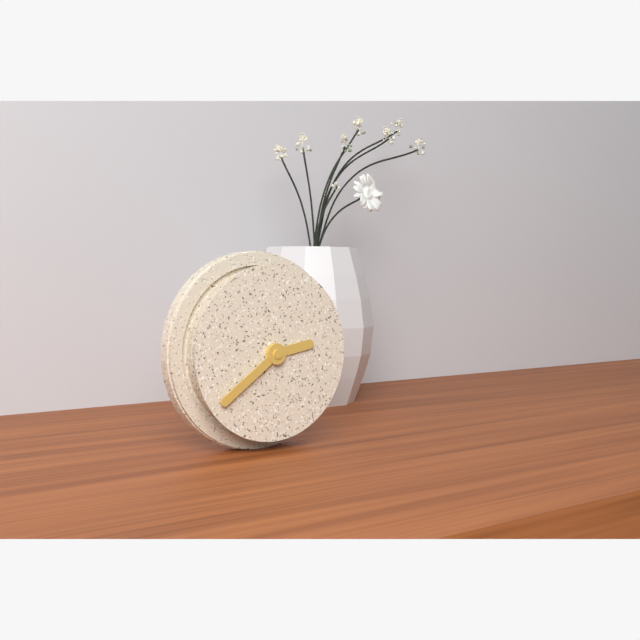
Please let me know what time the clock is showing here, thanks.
2:39
